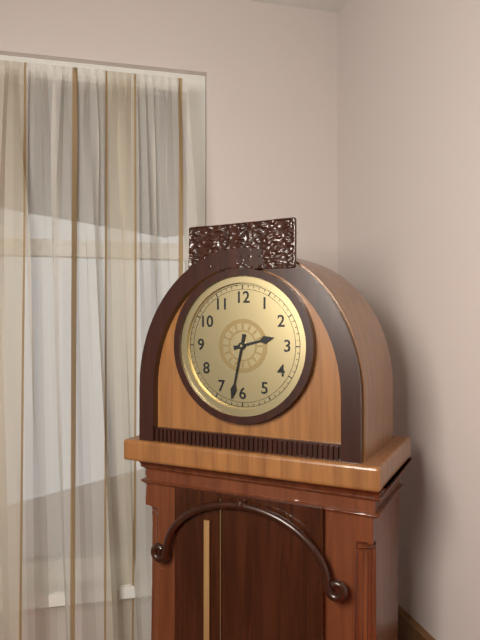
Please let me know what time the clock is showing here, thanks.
2:32
